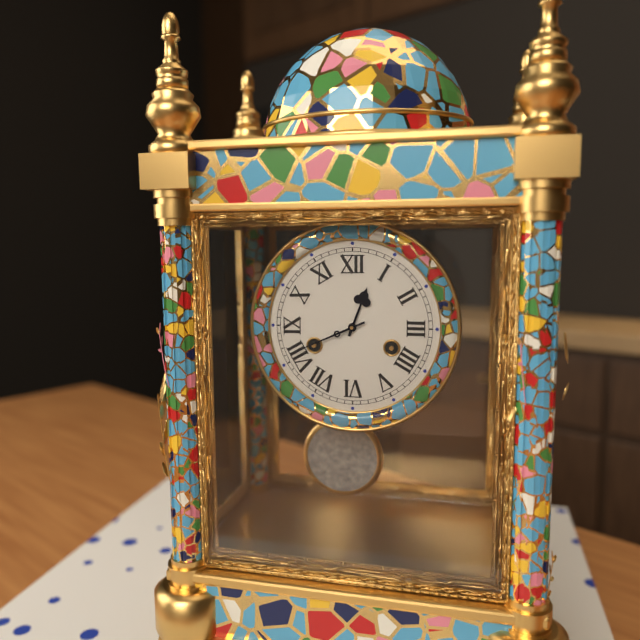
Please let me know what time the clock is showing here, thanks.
12:41
